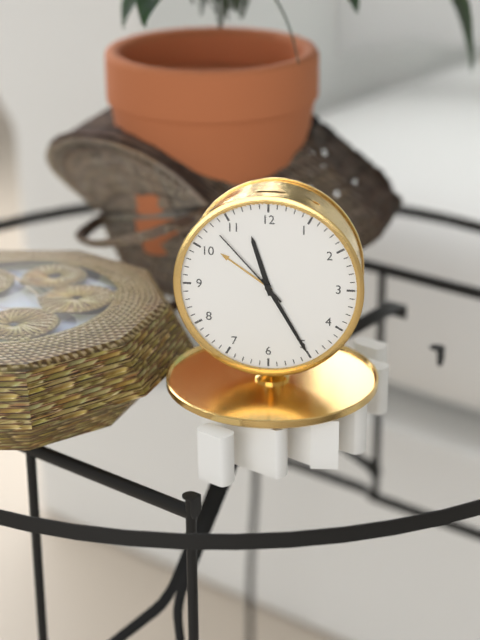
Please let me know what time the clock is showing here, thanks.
11:25:53
